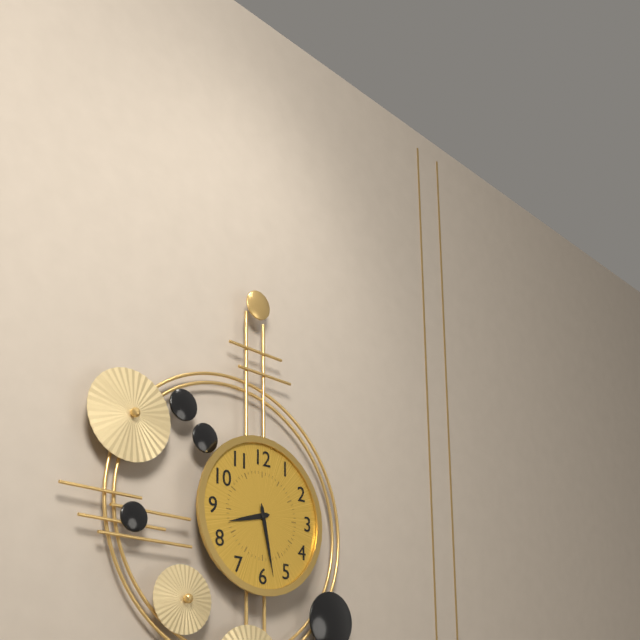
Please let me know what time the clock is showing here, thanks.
8:28
